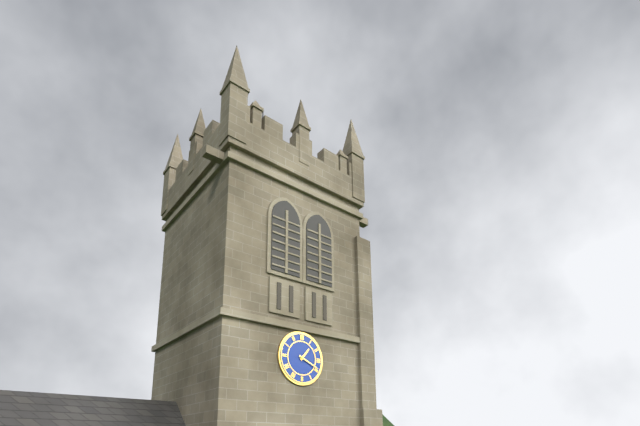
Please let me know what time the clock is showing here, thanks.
1:19
